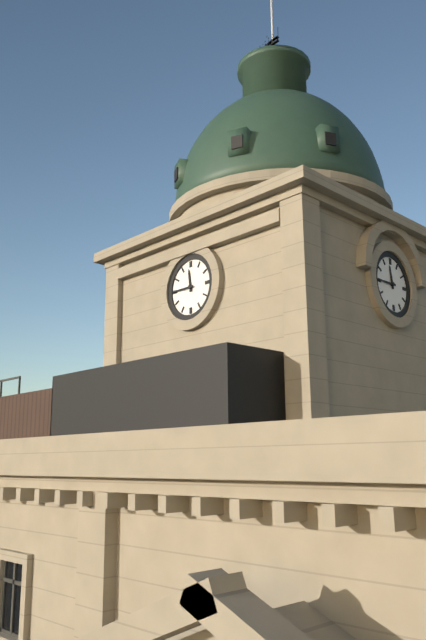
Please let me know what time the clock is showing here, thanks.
11:45
